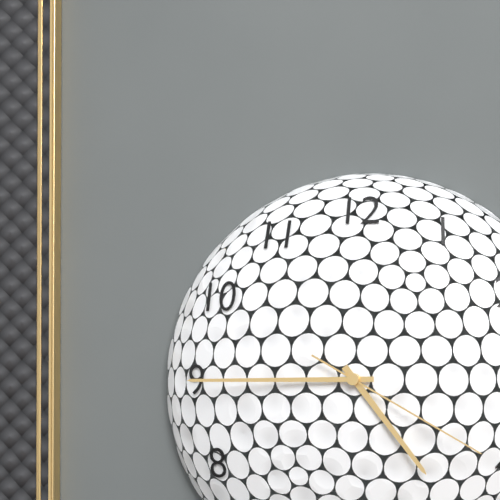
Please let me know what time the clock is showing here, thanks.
4:45:20
